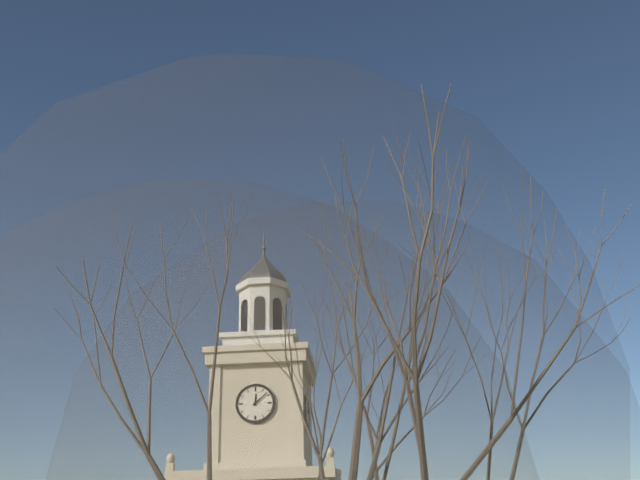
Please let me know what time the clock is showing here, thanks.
12:08
